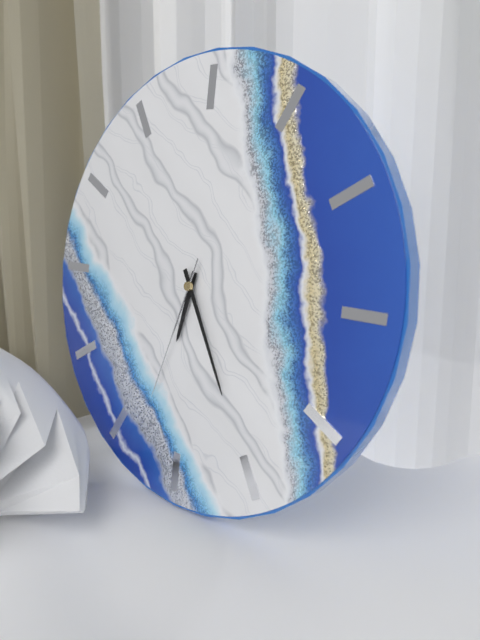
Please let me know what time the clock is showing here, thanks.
6:25:33
